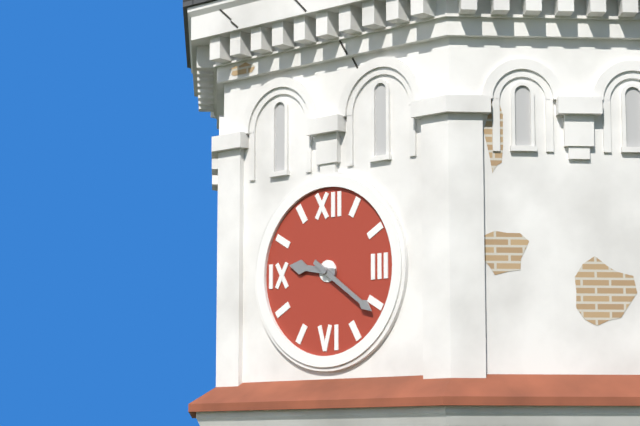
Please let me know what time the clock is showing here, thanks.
9:21
